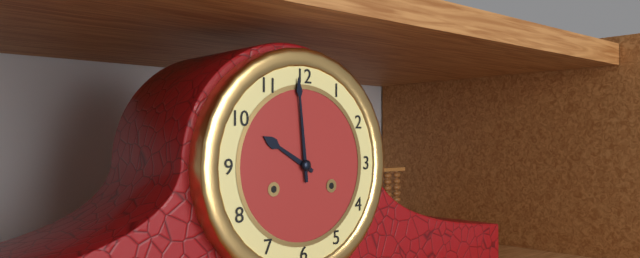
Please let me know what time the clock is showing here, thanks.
9:59
